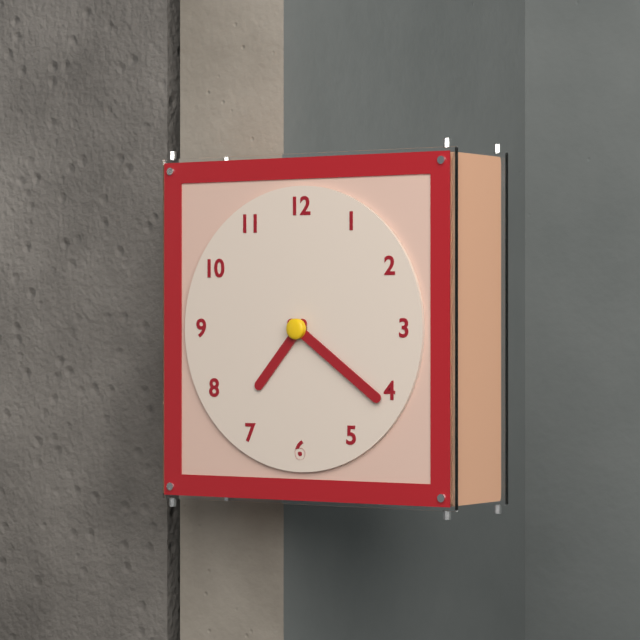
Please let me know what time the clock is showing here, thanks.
7:21
